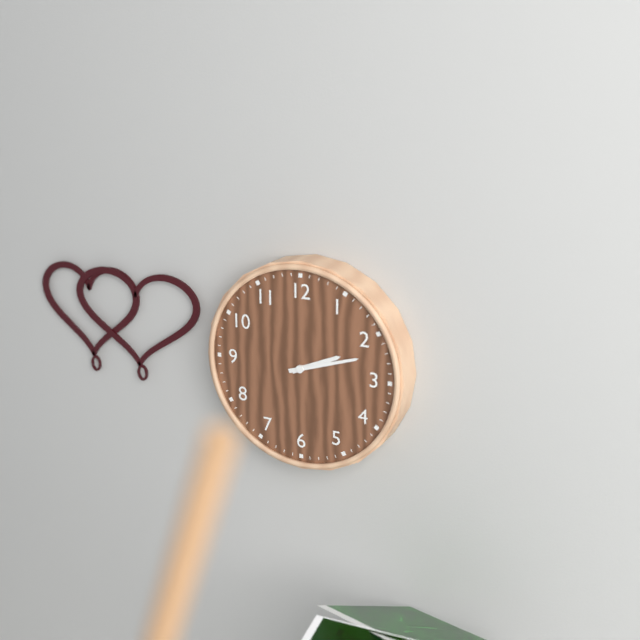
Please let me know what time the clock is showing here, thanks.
2:12
